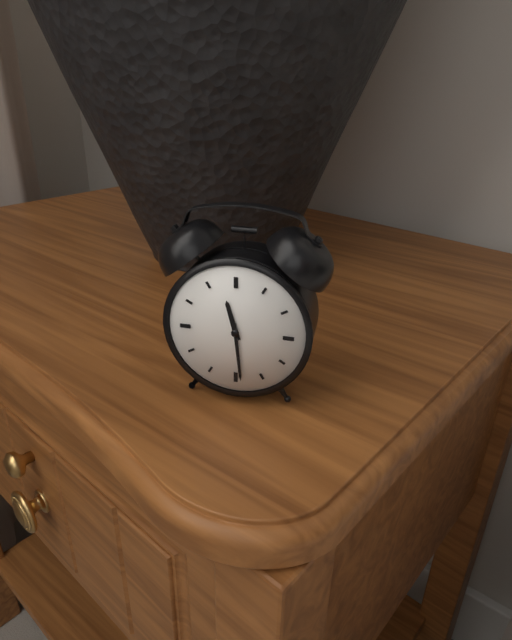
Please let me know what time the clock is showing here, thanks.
11:29
